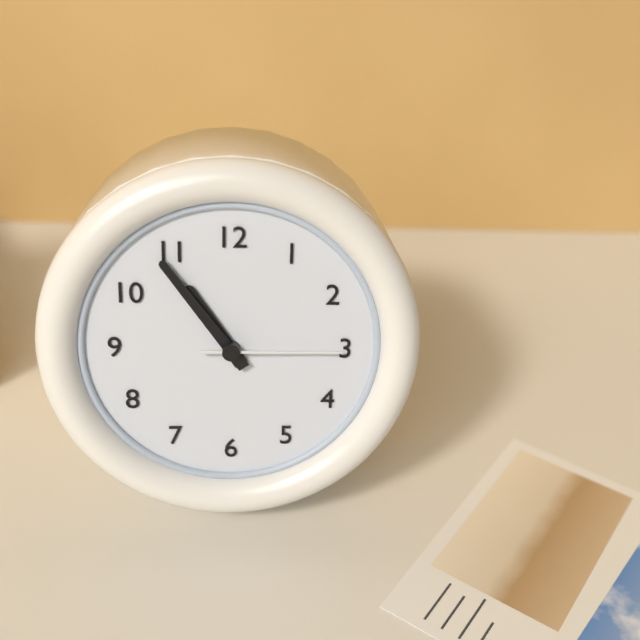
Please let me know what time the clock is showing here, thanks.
10:54:15
